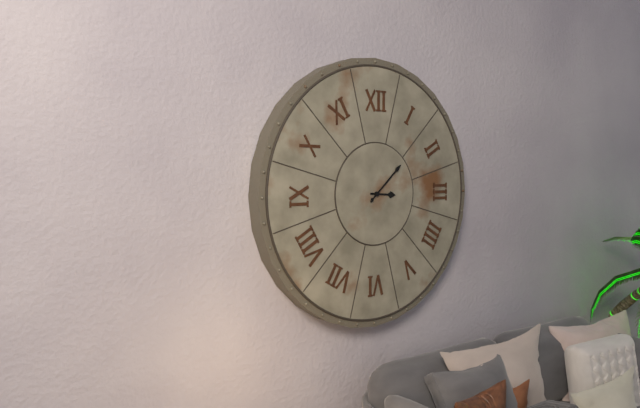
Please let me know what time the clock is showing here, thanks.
3:08
